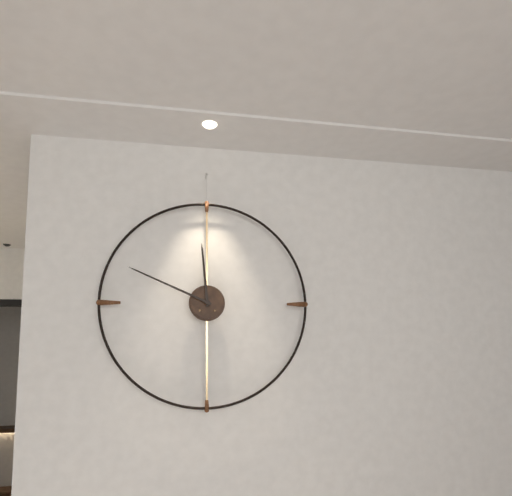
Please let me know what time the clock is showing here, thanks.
11:49
